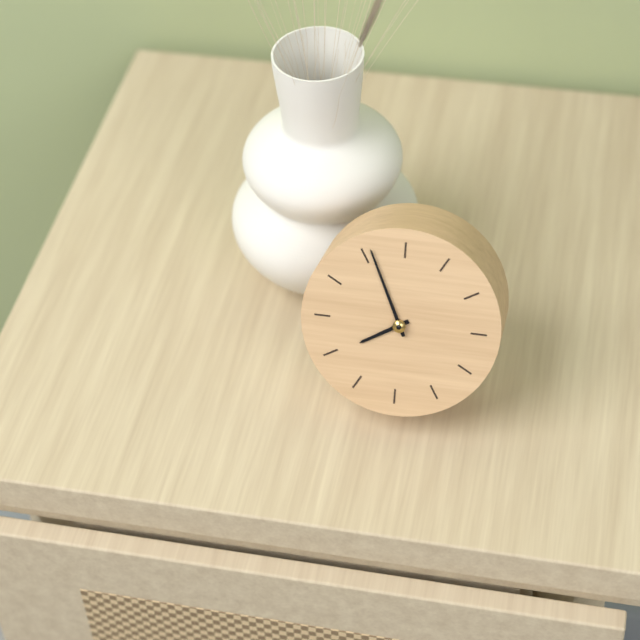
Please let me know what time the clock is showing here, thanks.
7:56
